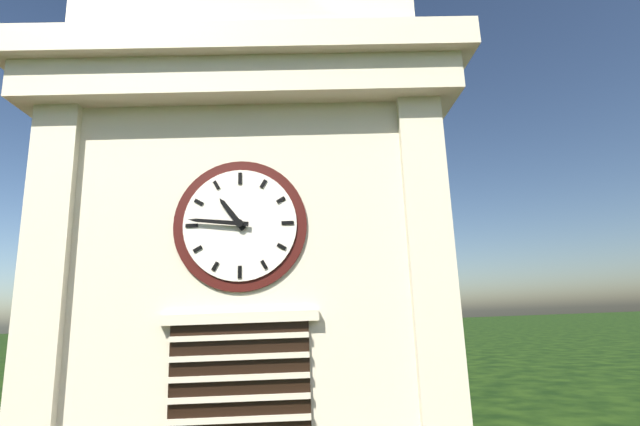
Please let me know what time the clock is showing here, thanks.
10:46
